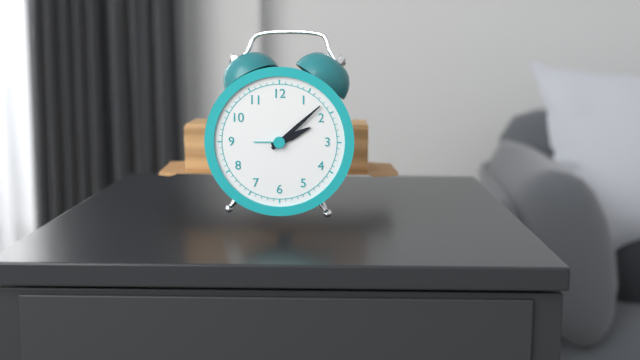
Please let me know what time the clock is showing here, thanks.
2:08
